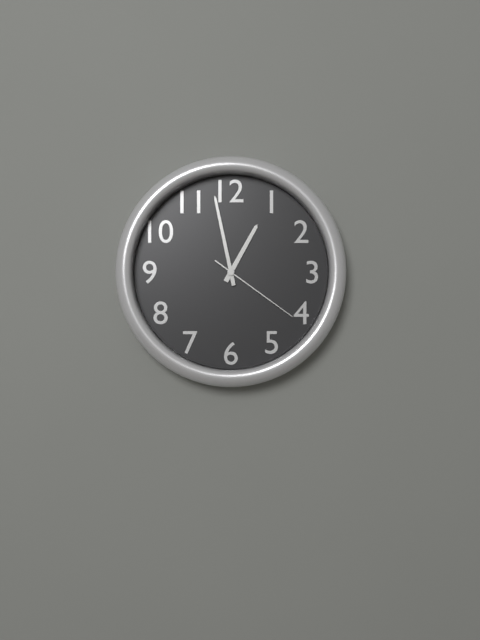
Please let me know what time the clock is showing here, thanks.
12:58:21
